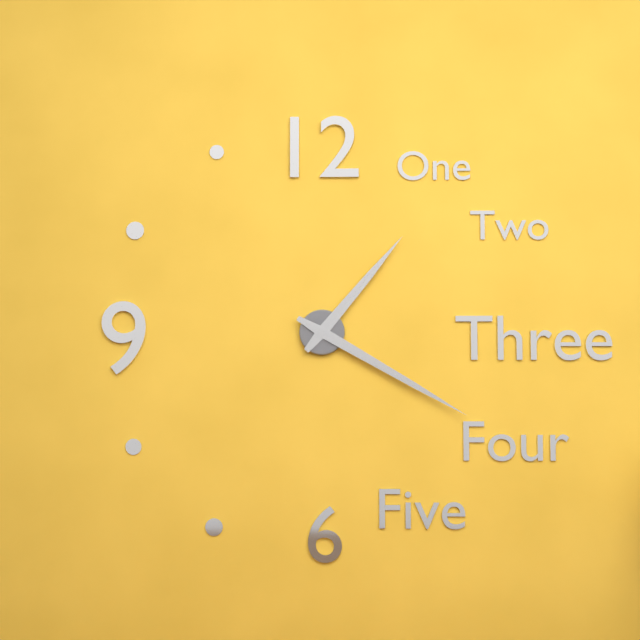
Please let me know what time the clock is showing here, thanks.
1:20
